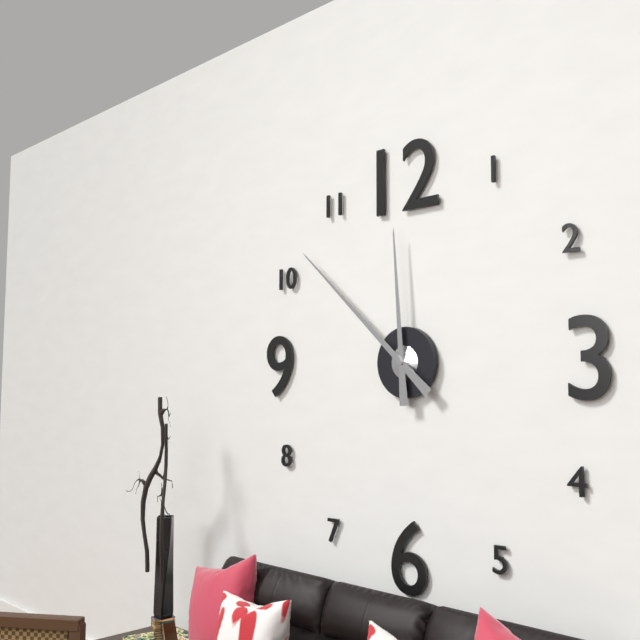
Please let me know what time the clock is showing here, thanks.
11:52
